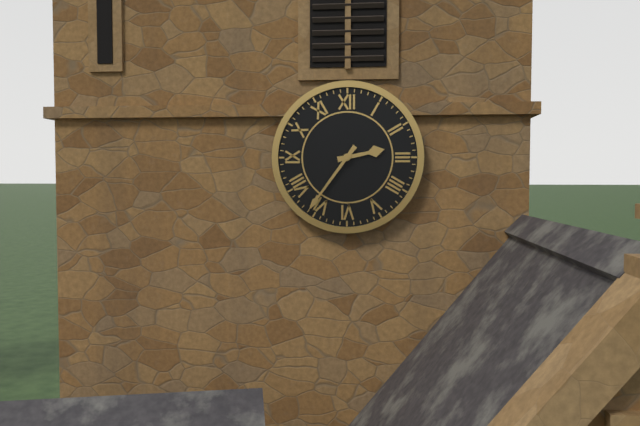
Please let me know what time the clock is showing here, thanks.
2:36
